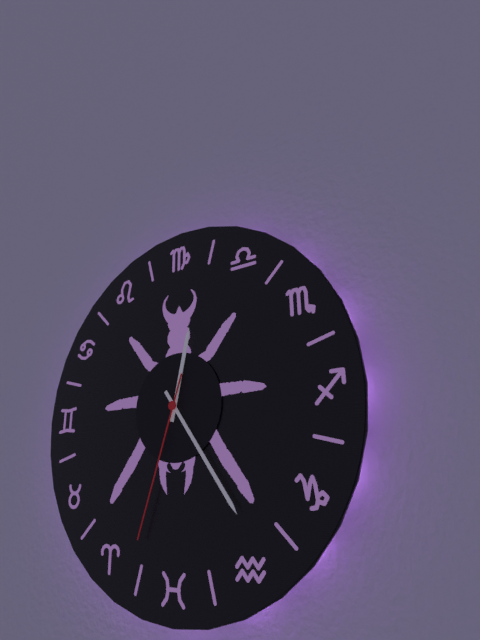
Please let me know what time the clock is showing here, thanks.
12:24:33
